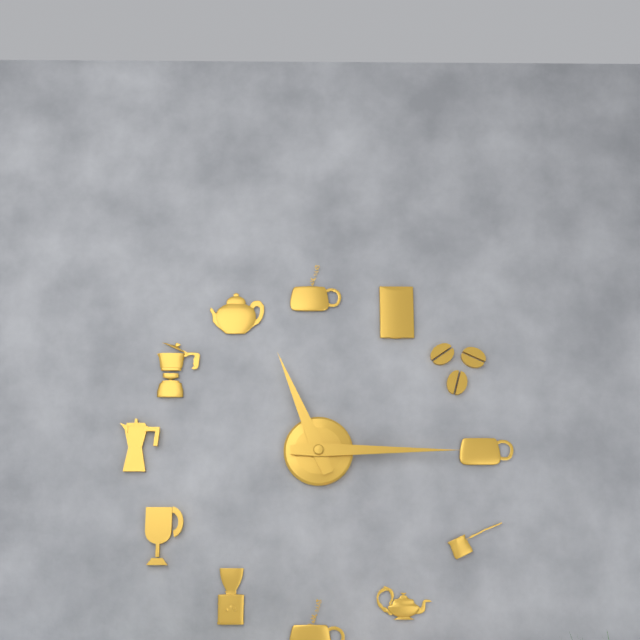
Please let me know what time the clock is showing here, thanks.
11:15
